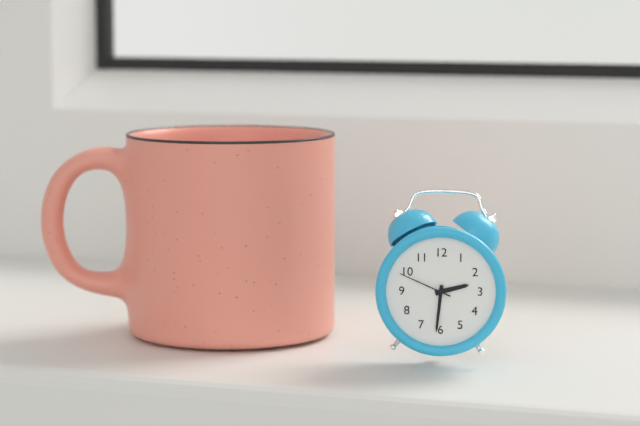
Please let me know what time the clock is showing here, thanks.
2:31:49
